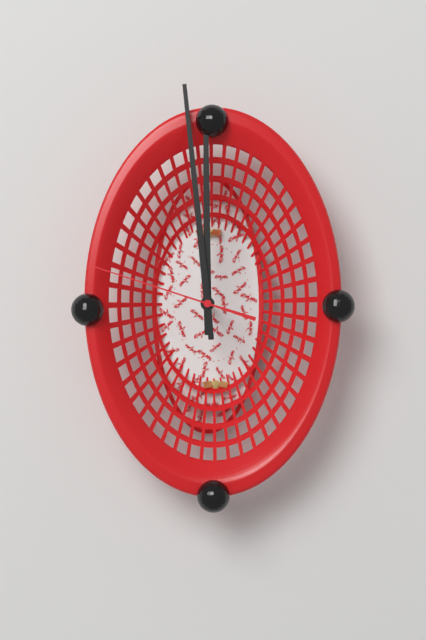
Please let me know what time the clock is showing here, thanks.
11:59:48
